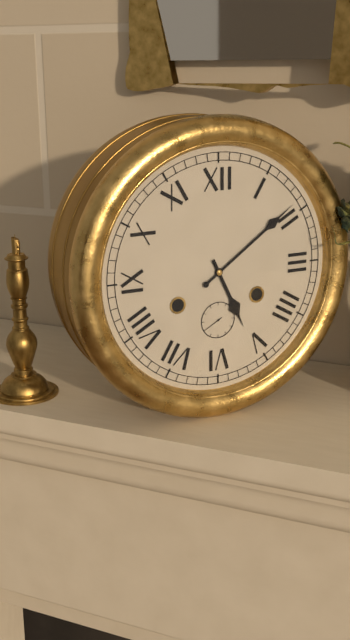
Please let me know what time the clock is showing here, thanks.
5:09
